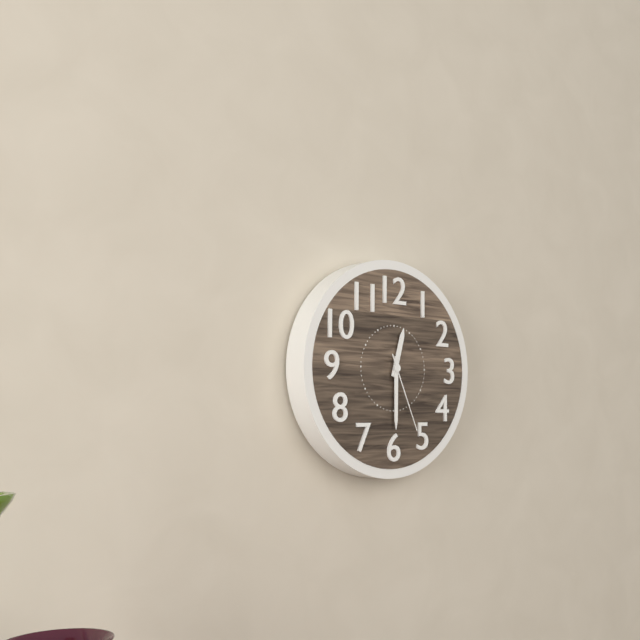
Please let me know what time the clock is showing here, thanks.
12:30:26
